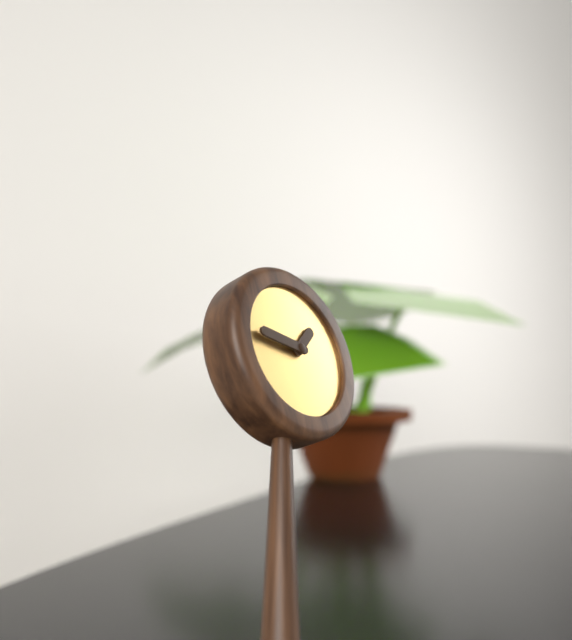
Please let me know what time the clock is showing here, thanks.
1:48
